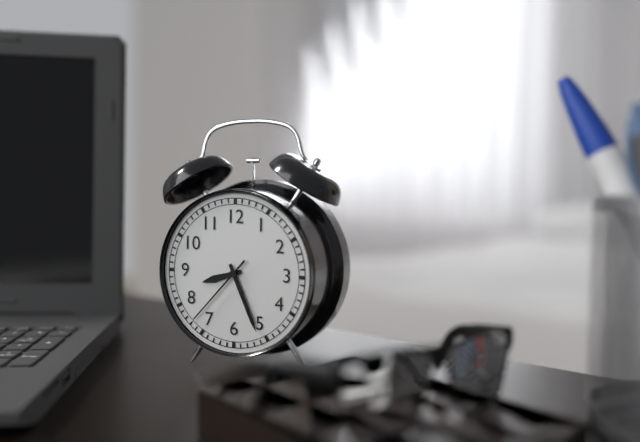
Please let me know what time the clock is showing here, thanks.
8:26:37
